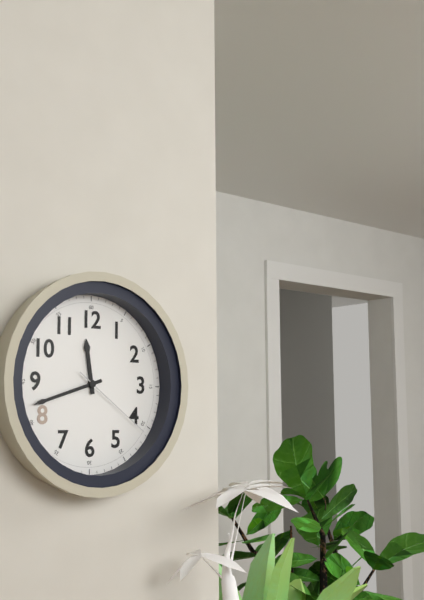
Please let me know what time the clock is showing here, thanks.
11:42:21
